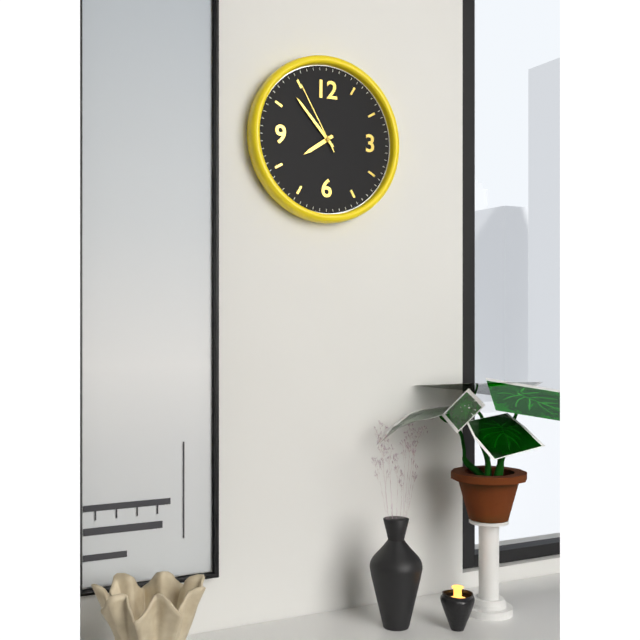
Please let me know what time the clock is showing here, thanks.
7:53:55
